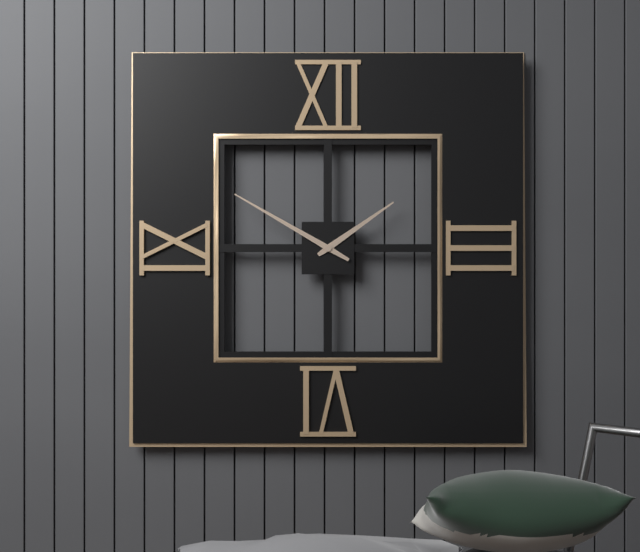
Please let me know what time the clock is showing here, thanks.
1:50
